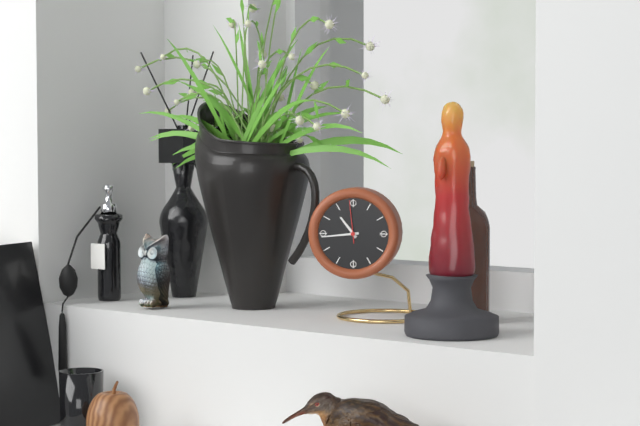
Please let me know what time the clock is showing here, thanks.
10:44
